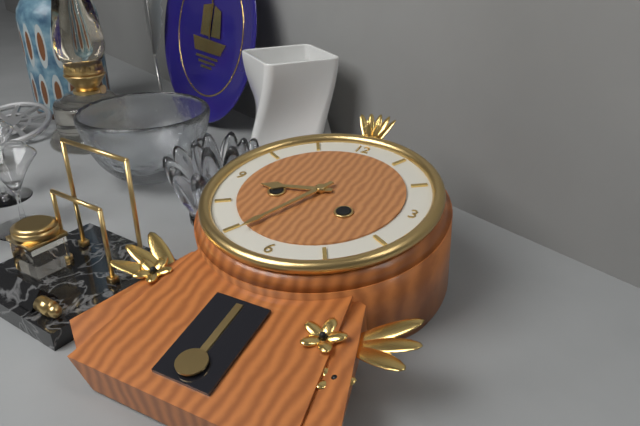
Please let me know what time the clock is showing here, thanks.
8:34
